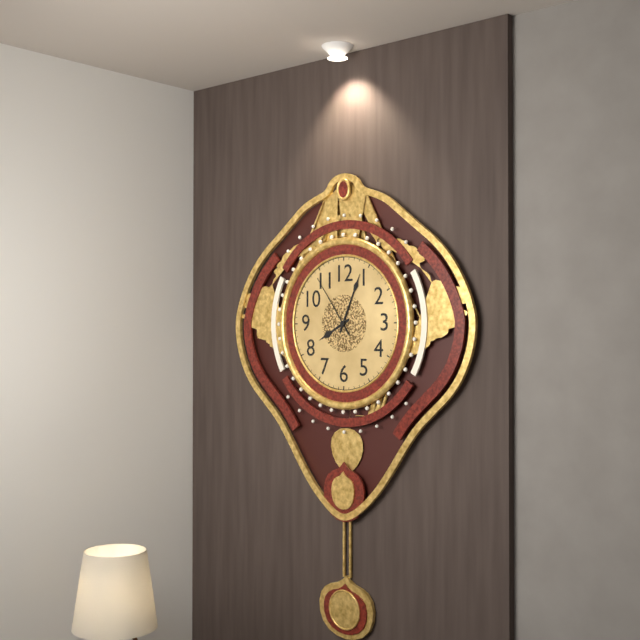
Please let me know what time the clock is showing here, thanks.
8:04:54
